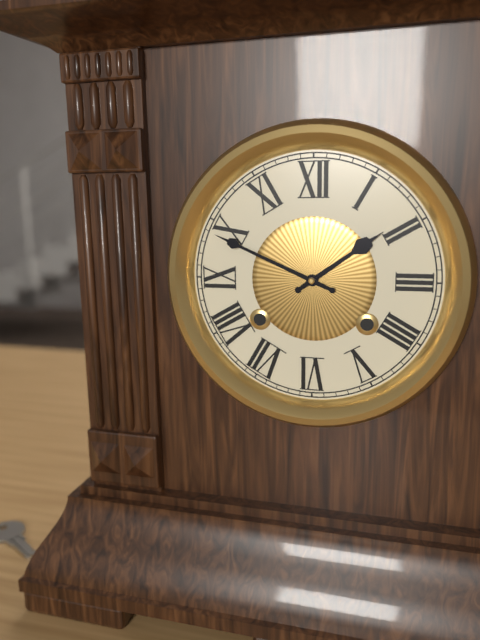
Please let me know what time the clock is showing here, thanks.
1:49
